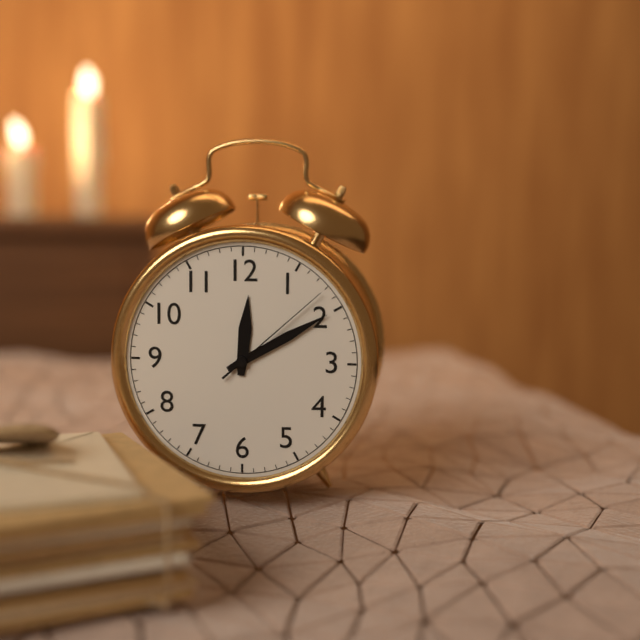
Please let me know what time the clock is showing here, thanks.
12:10:08
